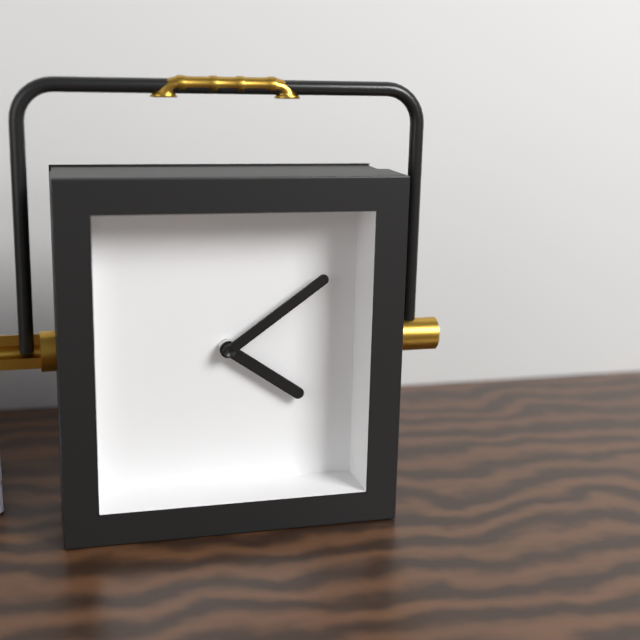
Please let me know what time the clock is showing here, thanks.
4:09
